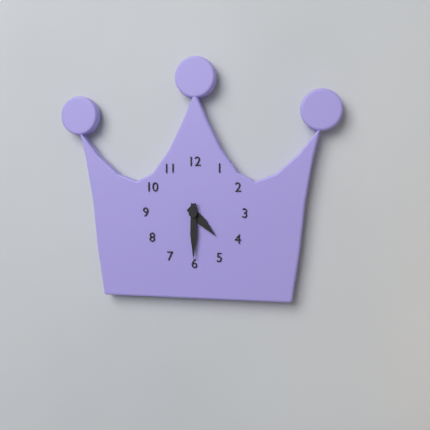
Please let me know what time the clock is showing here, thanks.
4:30
